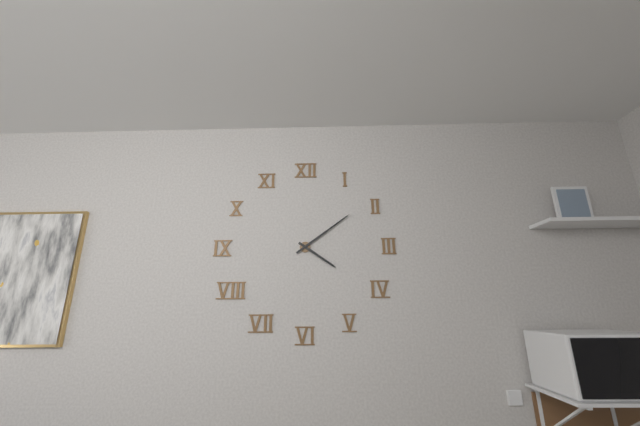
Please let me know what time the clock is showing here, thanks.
4:09
